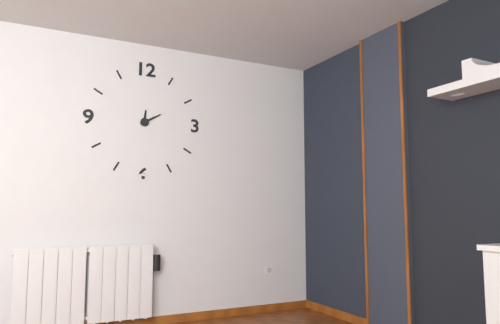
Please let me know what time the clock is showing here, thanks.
12:10
